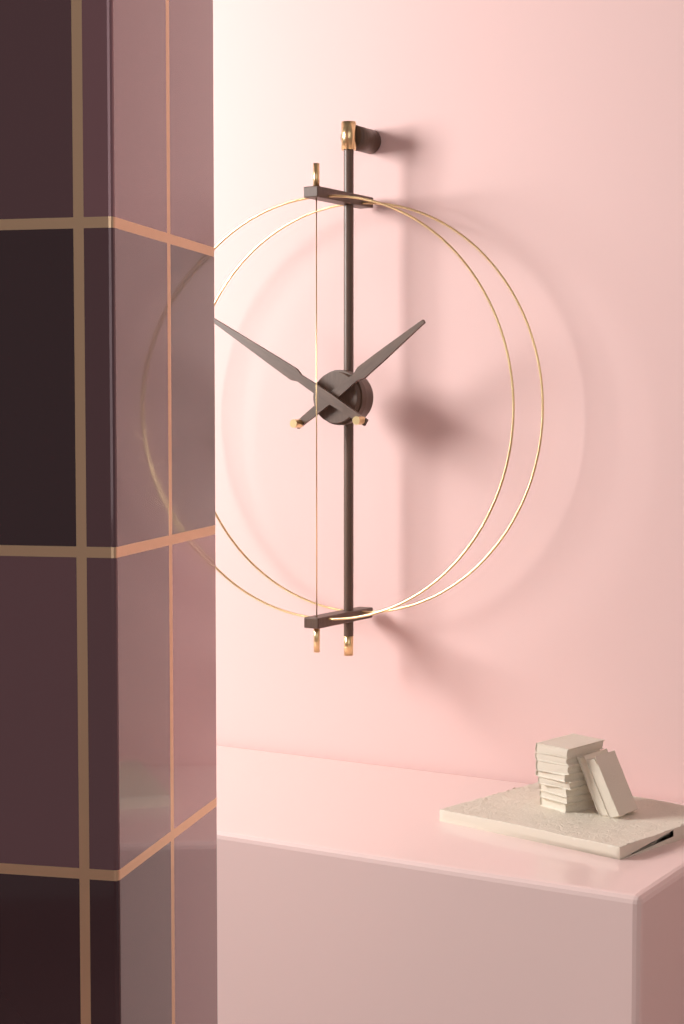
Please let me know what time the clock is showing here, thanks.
1:50
